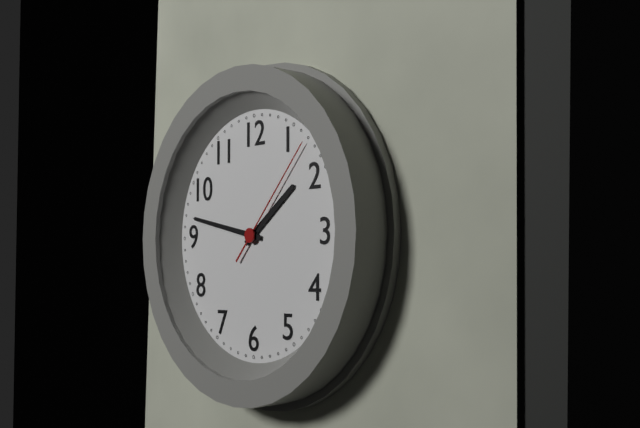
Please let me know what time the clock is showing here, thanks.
1:47:07
